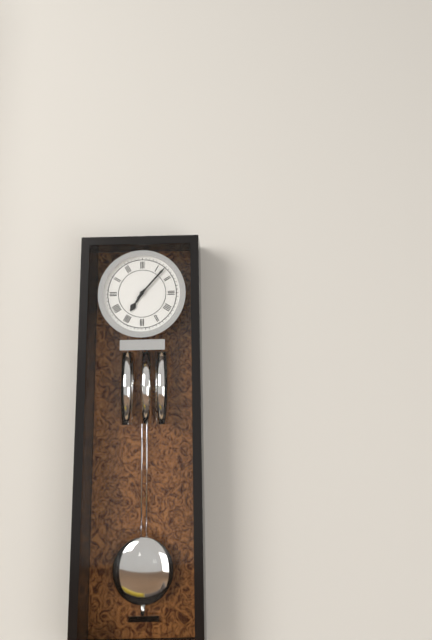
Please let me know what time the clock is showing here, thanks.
7:07
